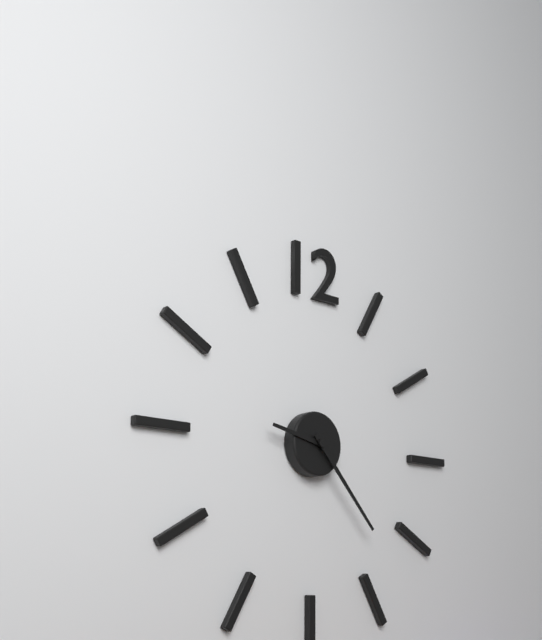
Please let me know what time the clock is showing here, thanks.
9:23
